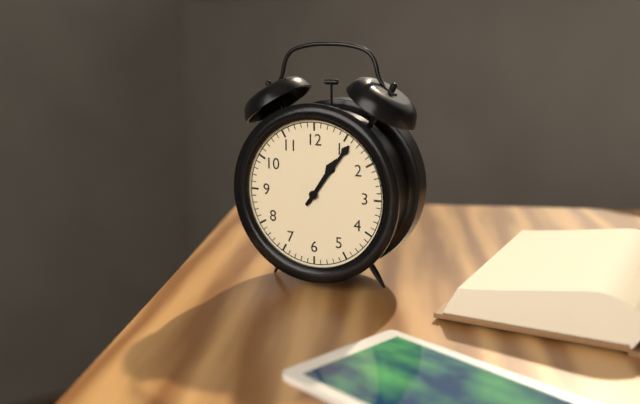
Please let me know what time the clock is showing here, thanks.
1:06
